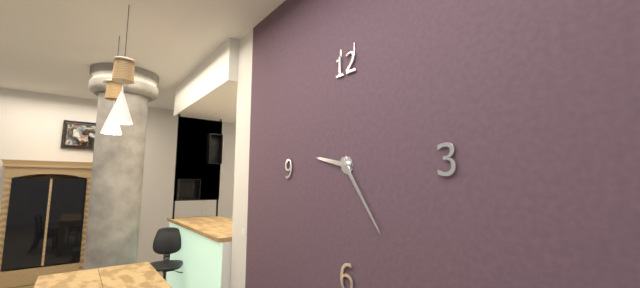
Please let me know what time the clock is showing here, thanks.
9:24
